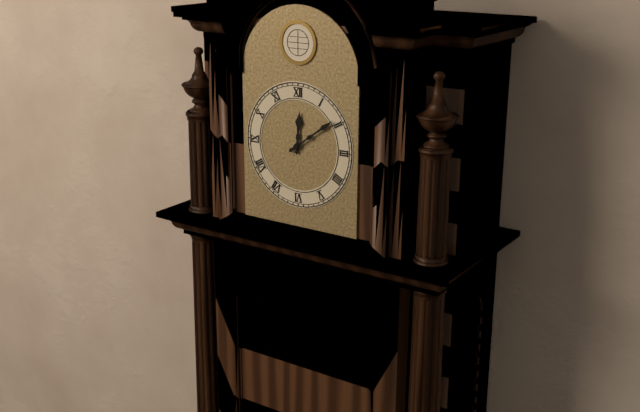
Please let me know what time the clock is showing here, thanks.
12:09
